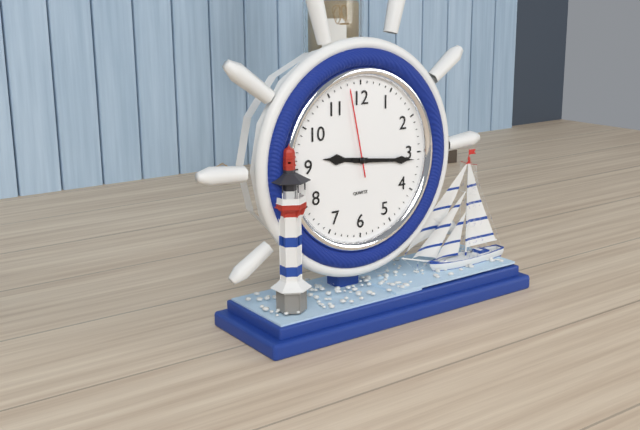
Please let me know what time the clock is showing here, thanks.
9:16:58
